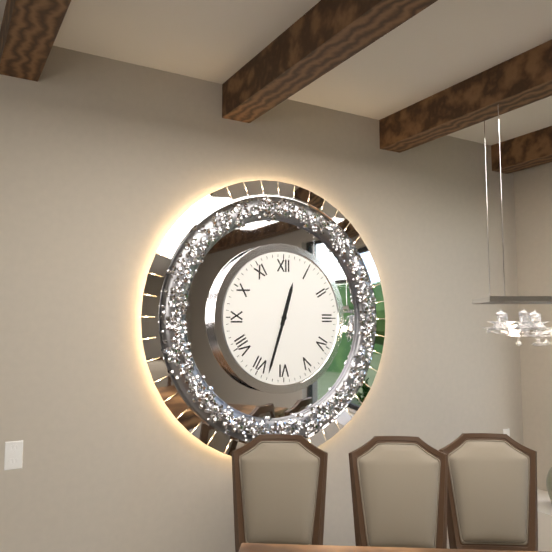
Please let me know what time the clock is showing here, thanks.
12:33
